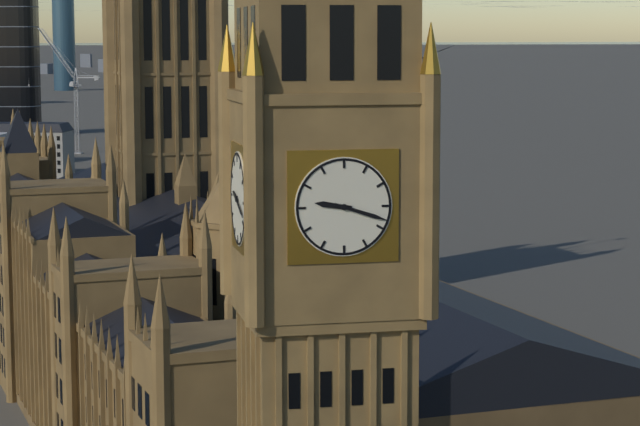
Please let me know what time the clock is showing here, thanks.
9:18
